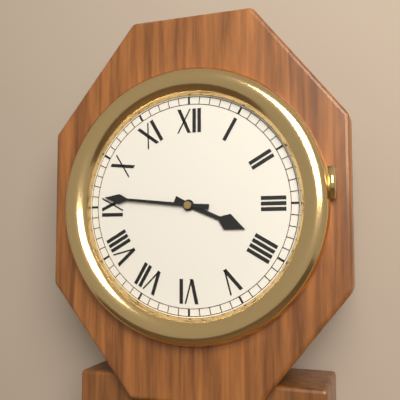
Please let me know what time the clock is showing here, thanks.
3:46
